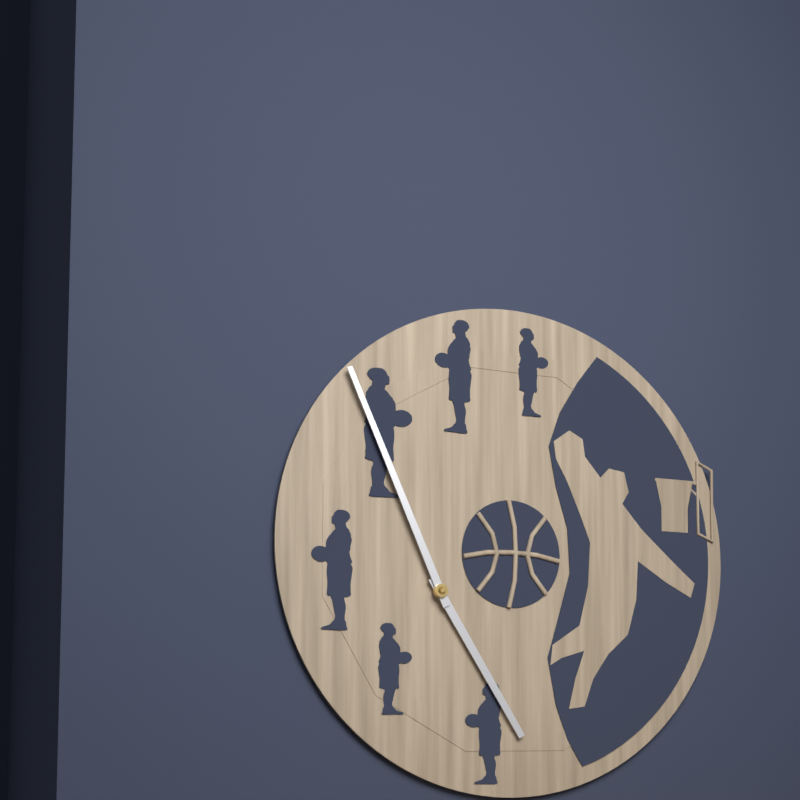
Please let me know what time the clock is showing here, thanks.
4:56
